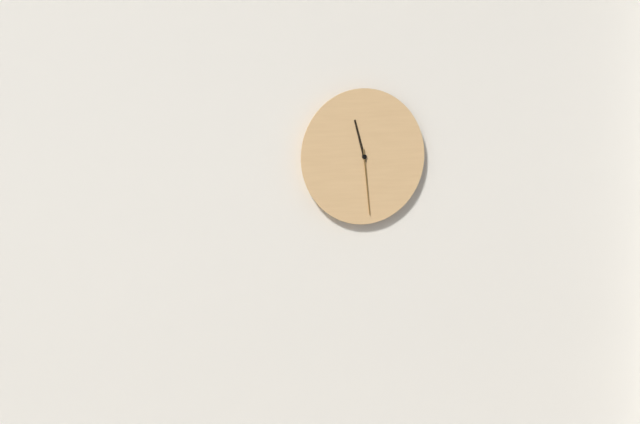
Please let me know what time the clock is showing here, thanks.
11:29
